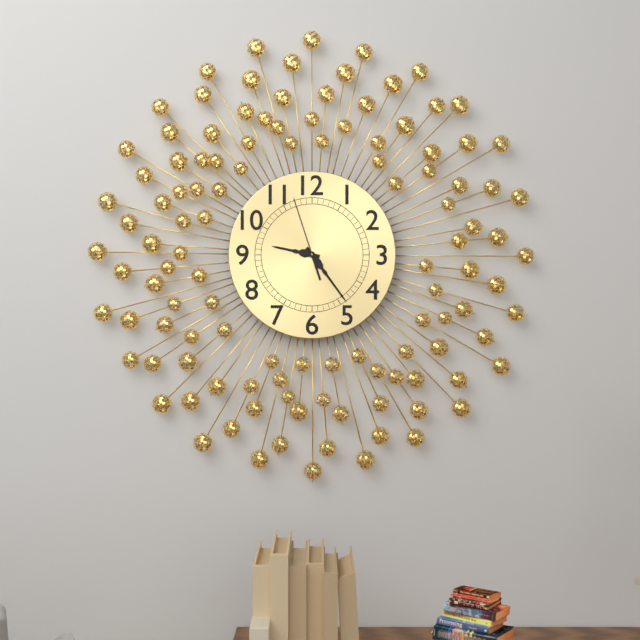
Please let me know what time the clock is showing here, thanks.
9:24:57
